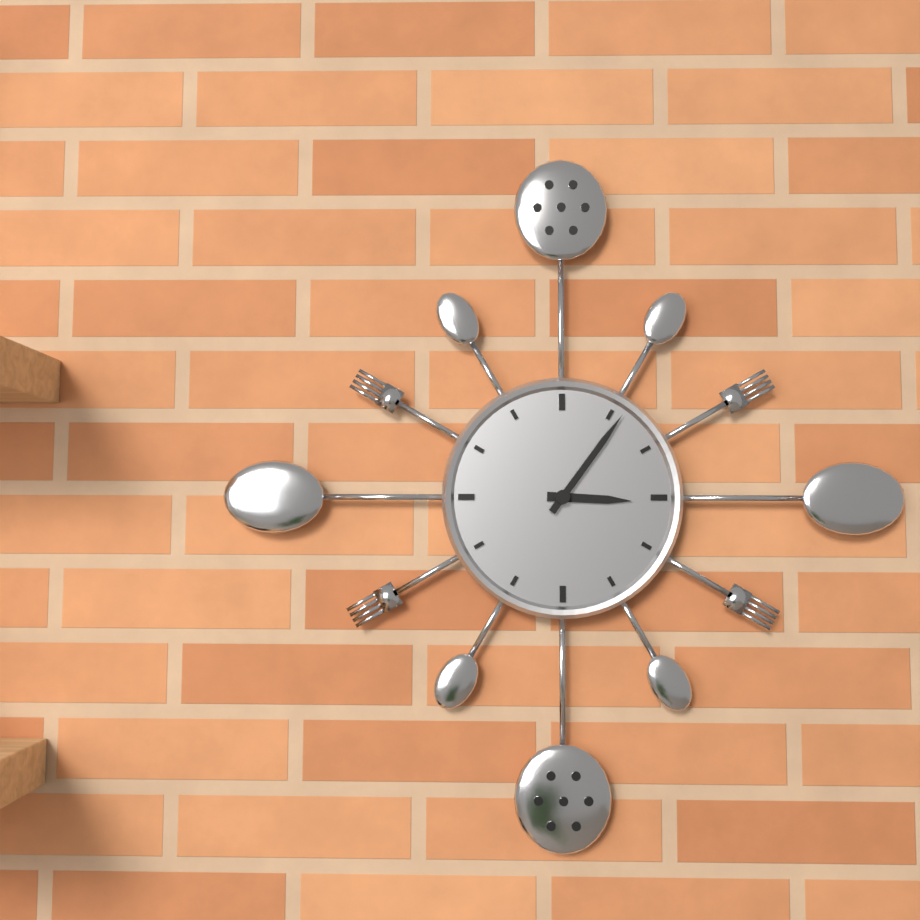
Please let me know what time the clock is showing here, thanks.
3:06
